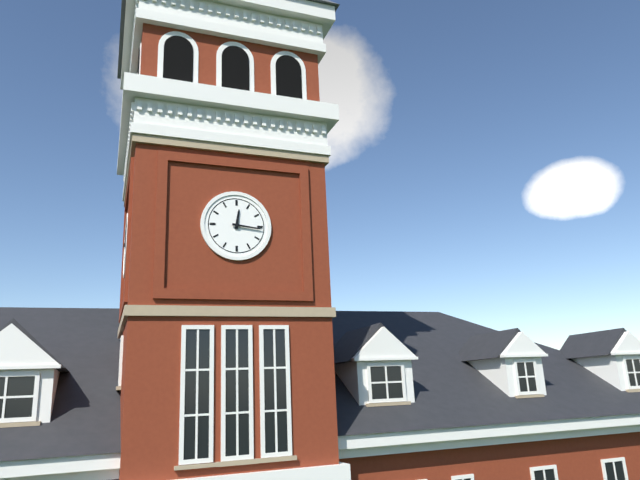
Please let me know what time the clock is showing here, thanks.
12:16
